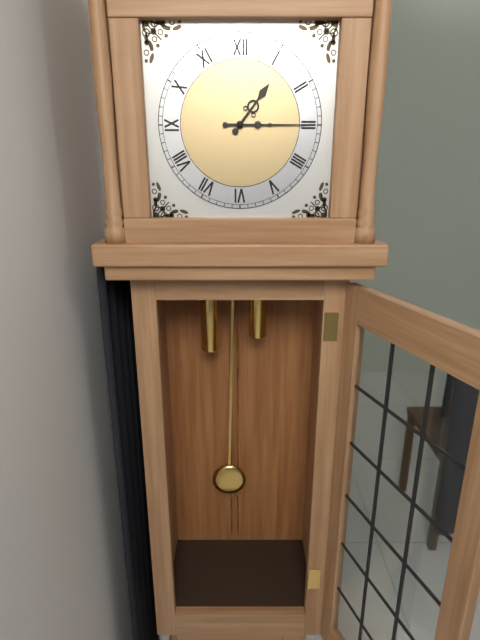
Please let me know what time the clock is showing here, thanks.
1:15
